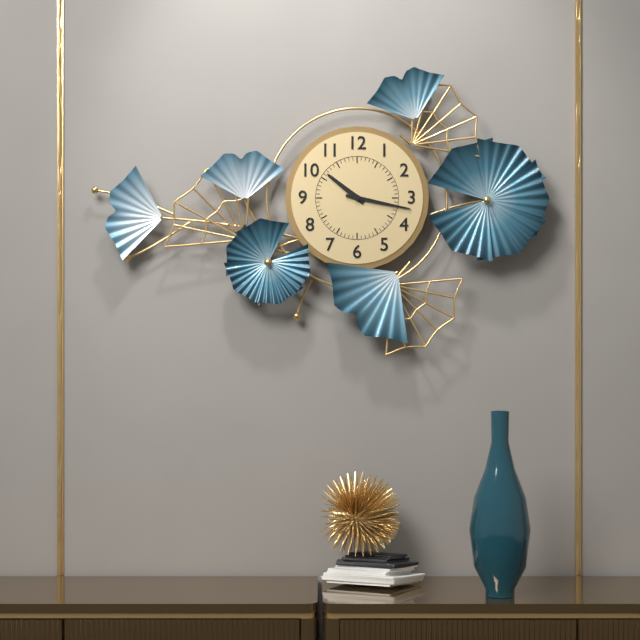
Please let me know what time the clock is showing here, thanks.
10:17
